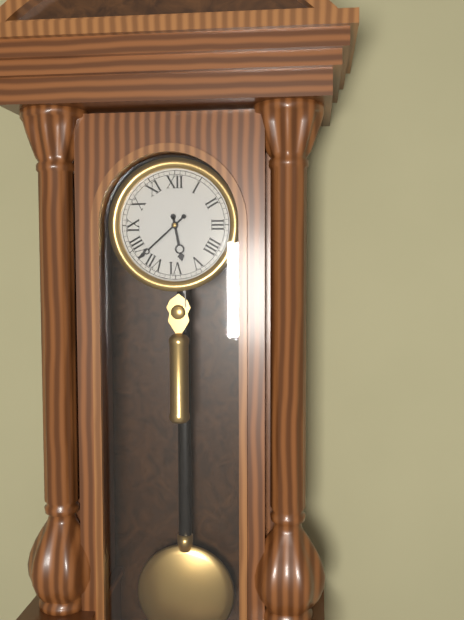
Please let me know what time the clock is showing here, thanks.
5:38
